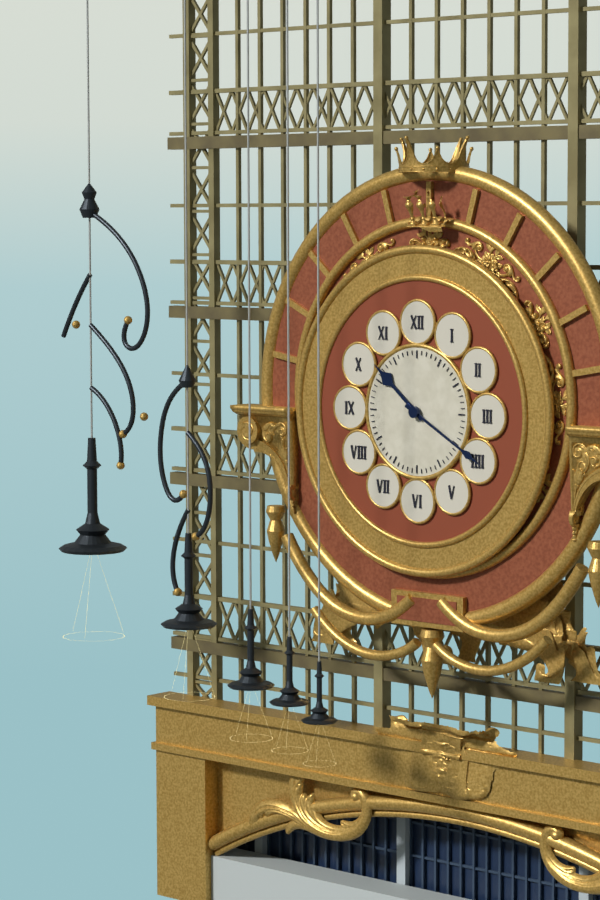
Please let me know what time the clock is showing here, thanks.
10:20
